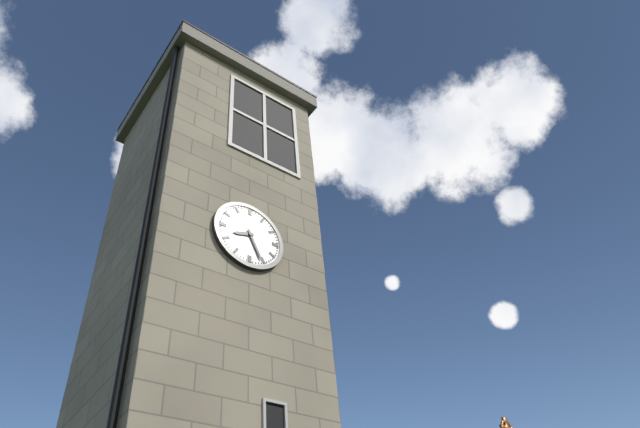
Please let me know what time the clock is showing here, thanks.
8:26
